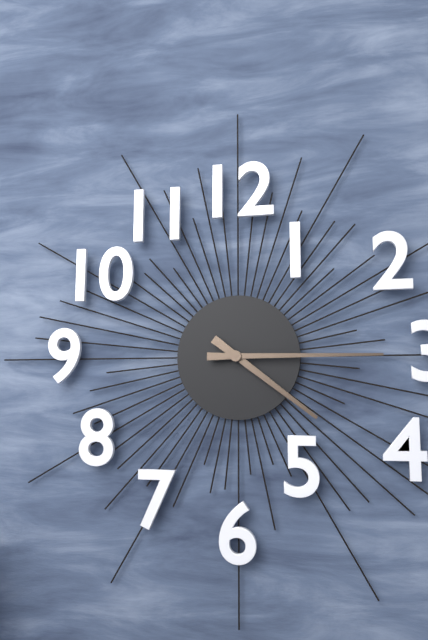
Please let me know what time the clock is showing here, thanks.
4:15
